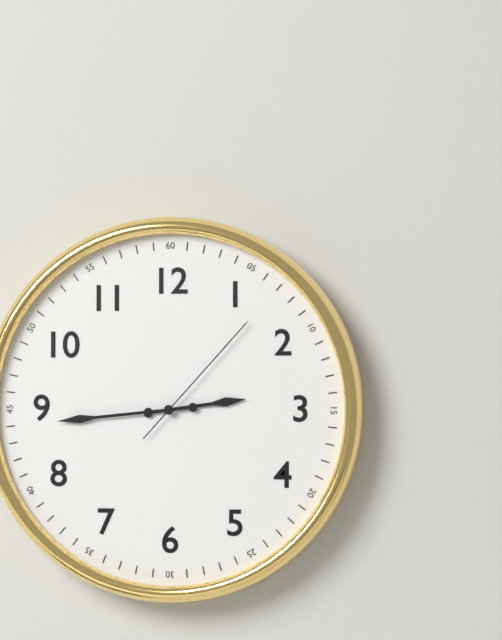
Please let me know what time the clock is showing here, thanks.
2:44:07
